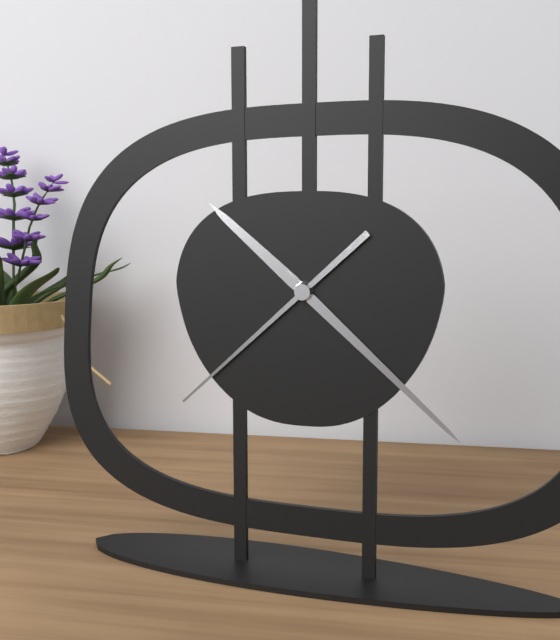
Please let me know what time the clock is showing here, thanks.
10:22:38
